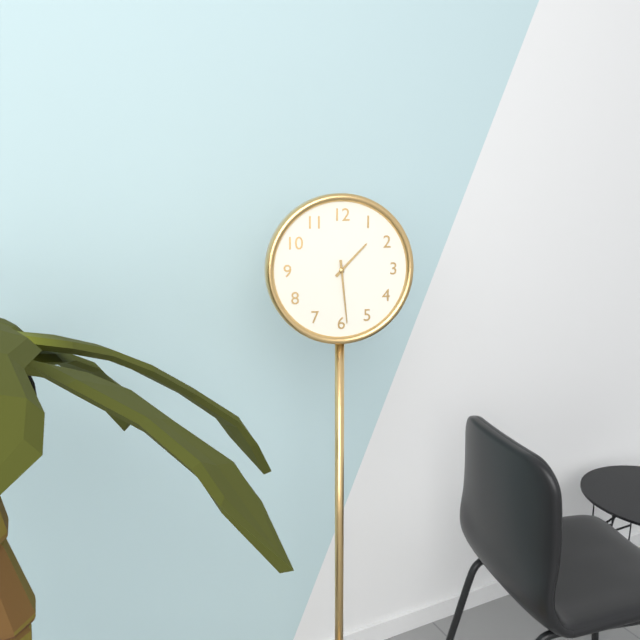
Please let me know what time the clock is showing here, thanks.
1:29
